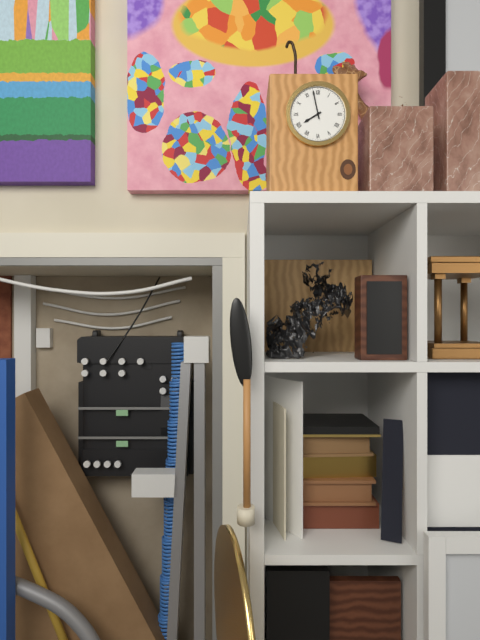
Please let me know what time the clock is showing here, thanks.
7:58
